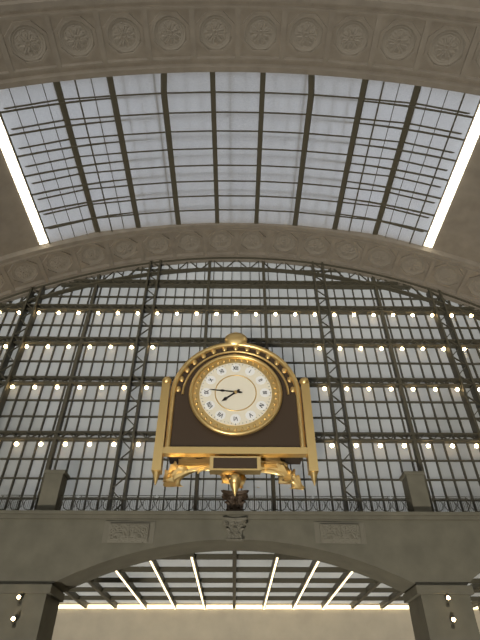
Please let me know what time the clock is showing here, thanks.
7:46
